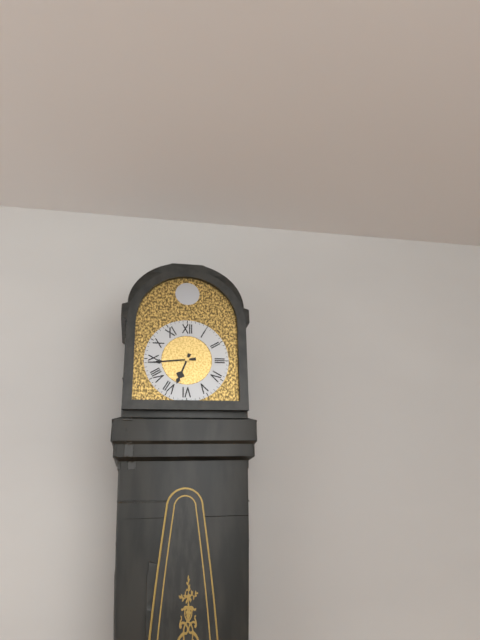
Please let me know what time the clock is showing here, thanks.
6:44
